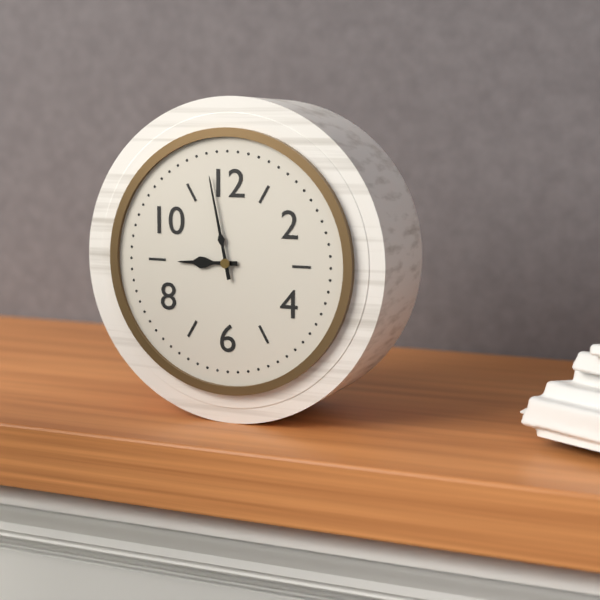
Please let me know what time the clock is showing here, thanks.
8:58
